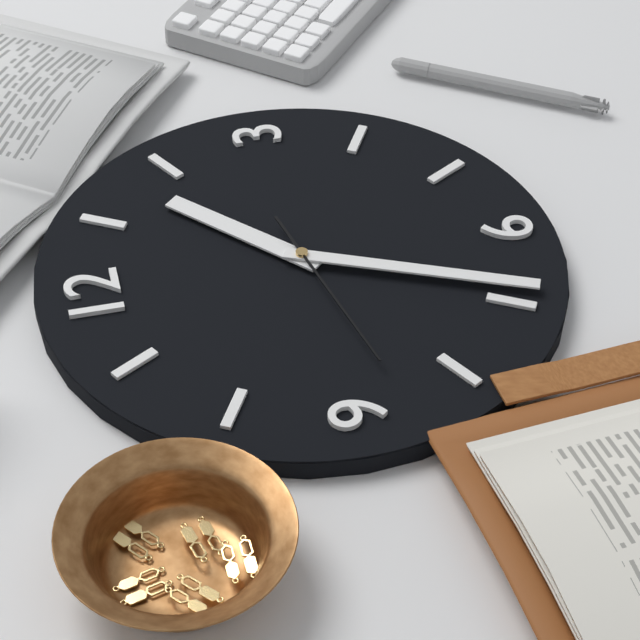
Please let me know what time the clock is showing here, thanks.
1:34:43
